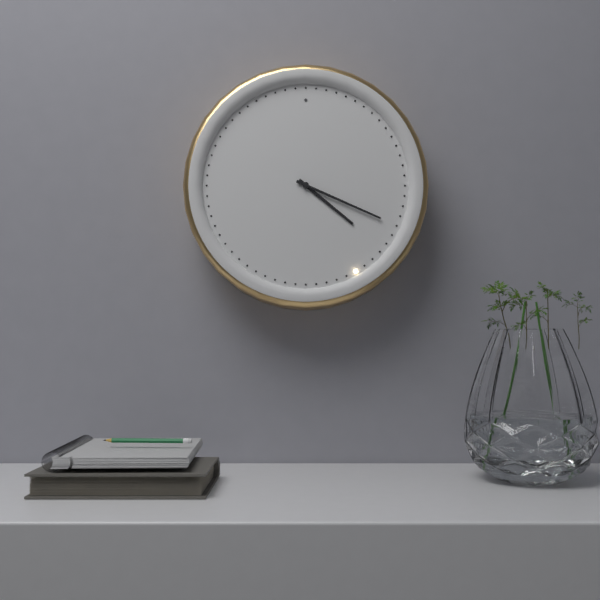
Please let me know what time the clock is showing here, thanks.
4:19
